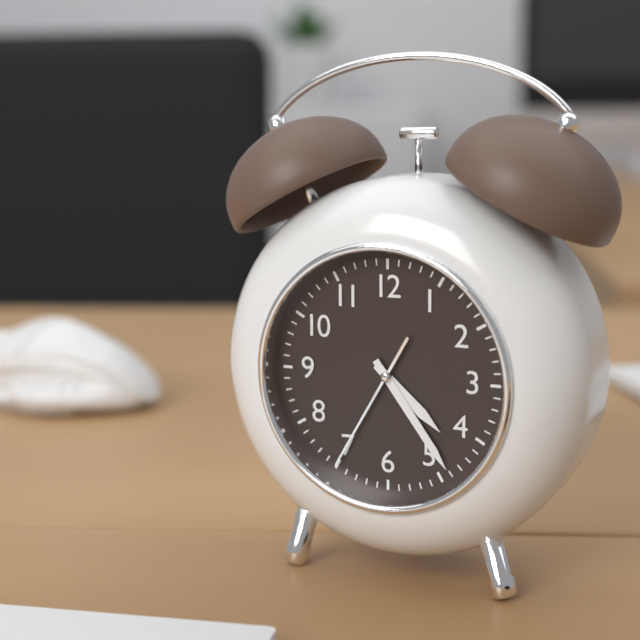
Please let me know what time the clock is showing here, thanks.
4:24:35
